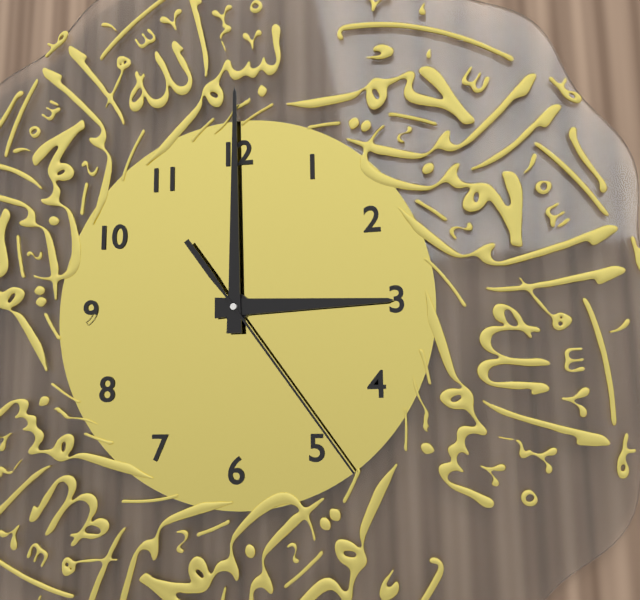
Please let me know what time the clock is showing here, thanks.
3:00:24
